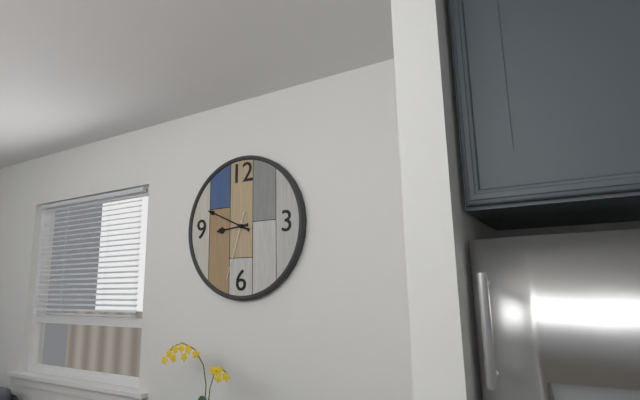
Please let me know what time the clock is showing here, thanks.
8:49:33
